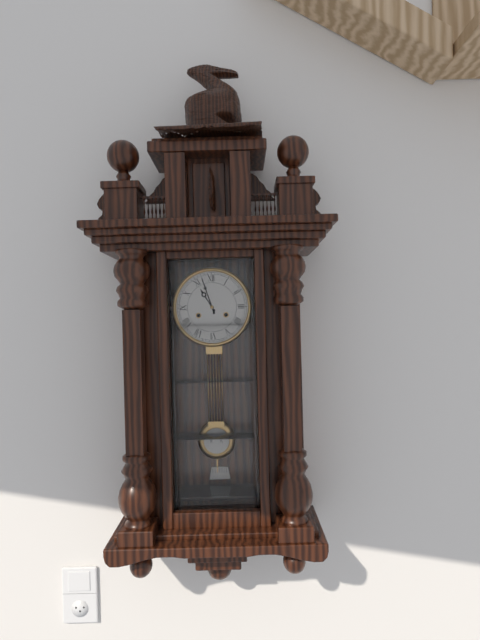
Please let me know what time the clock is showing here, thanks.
10:57
